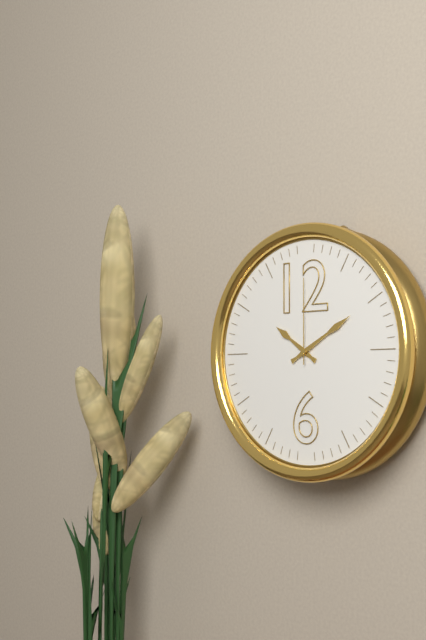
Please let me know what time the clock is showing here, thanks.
10:10:00
